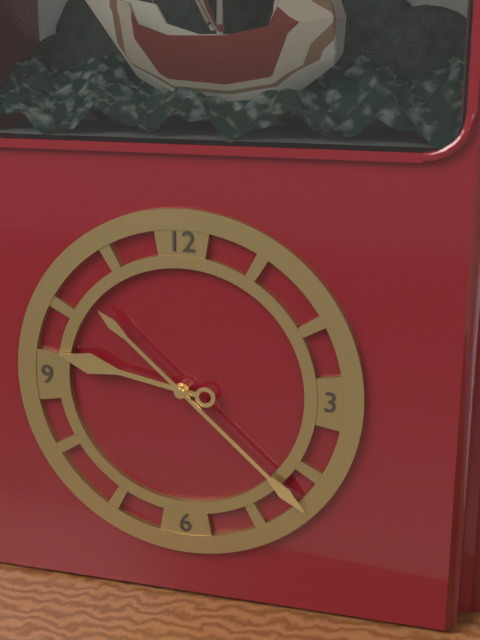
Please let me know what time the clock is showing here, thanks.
9:22
